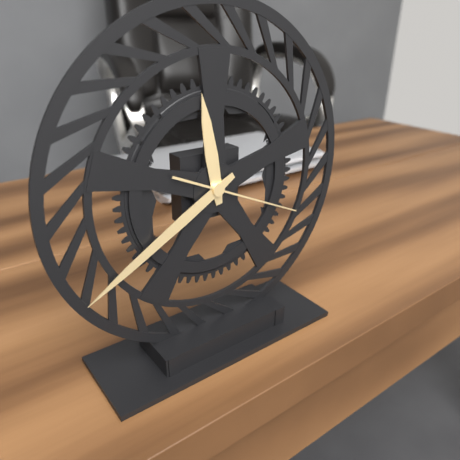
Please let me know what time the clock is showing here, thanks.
11:40:19
